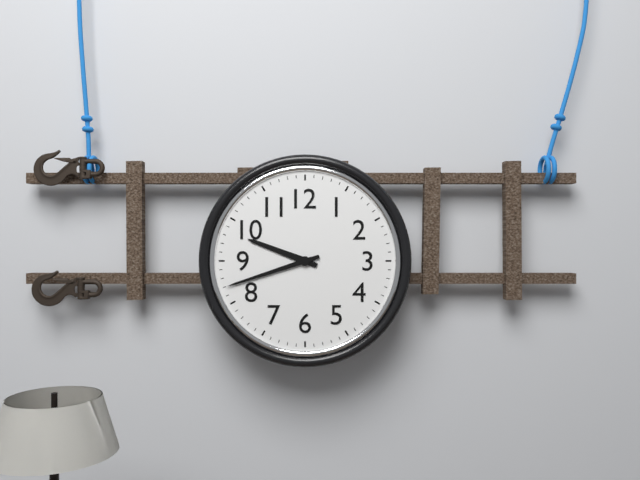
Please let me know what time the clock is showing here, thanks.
9:42
